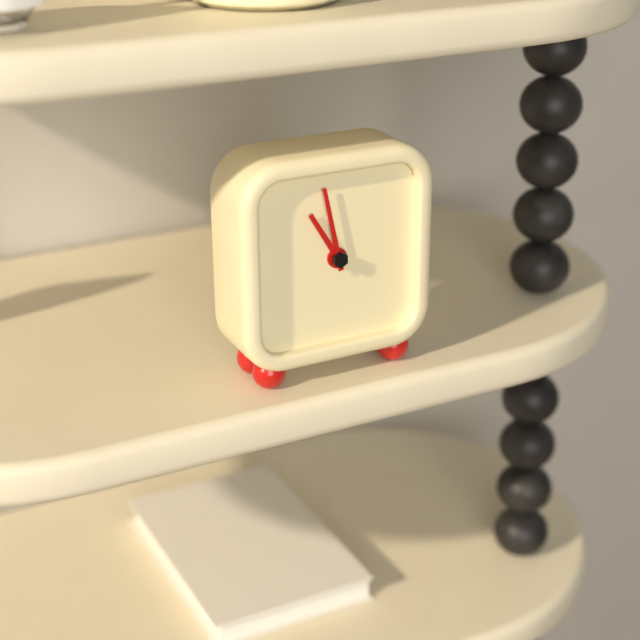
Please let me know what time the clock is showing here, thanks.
10:58
